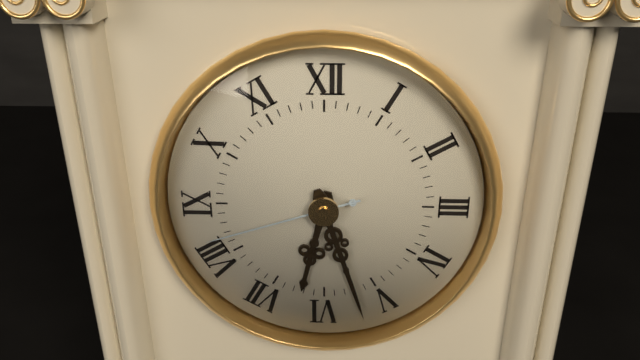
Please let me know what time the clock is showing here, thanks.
6:27:42
